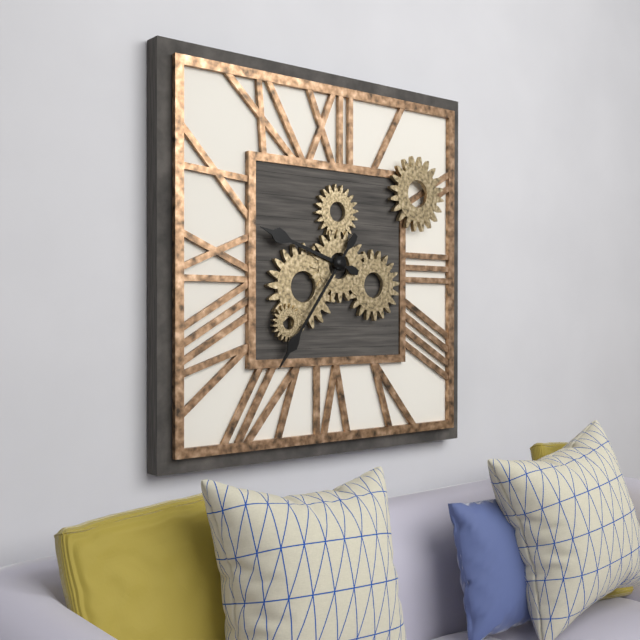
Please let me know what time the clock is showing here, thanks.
9:36
